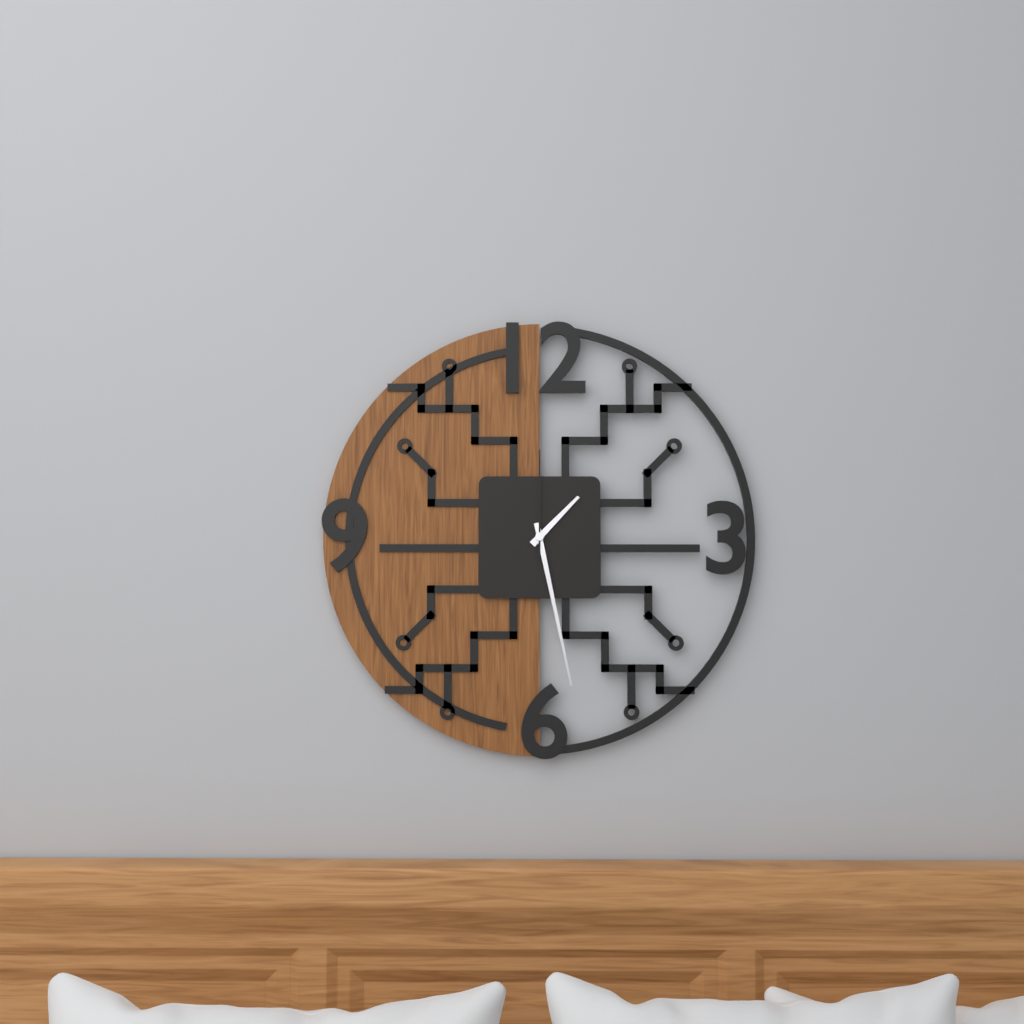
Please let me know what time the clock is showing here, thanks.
1:28:00
